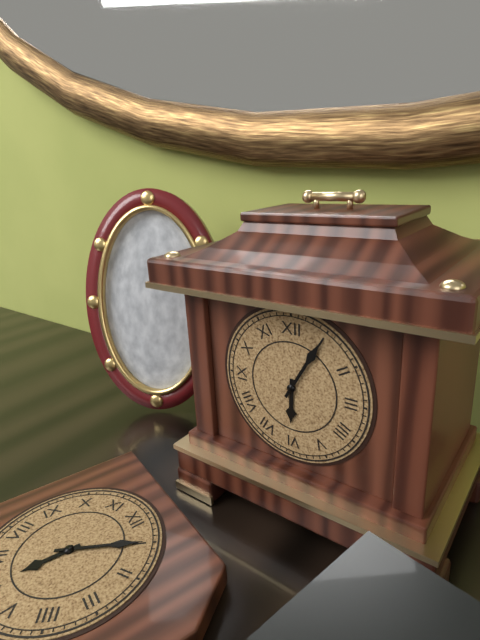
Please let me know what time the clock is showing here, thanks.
6:05
